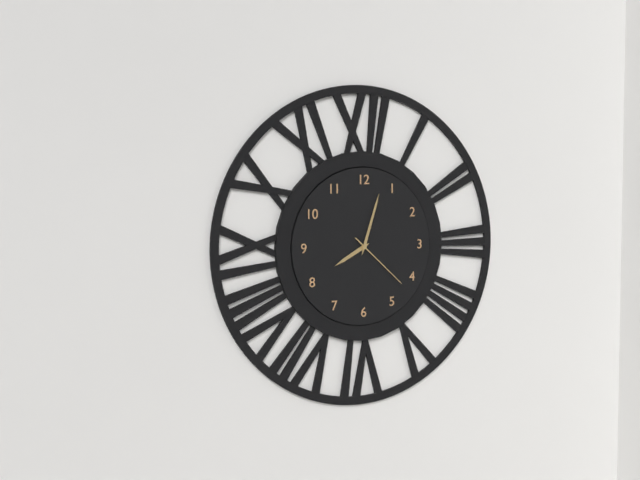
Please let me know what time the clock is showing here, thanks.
8:03:22
